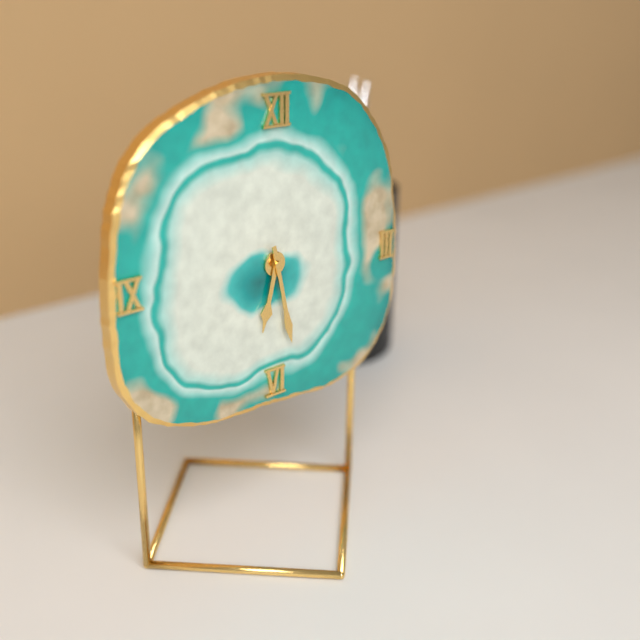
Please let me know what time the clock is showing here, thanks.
6:28
